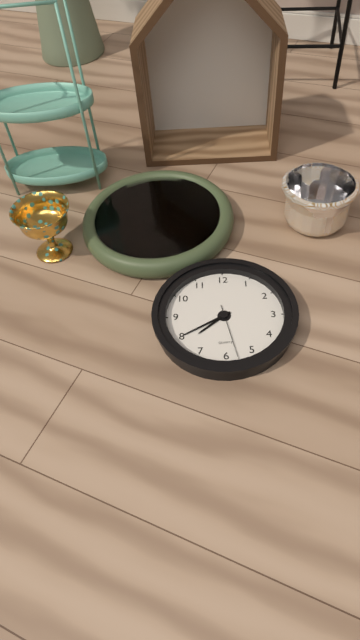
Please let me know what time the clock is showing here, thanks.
7:40:28
